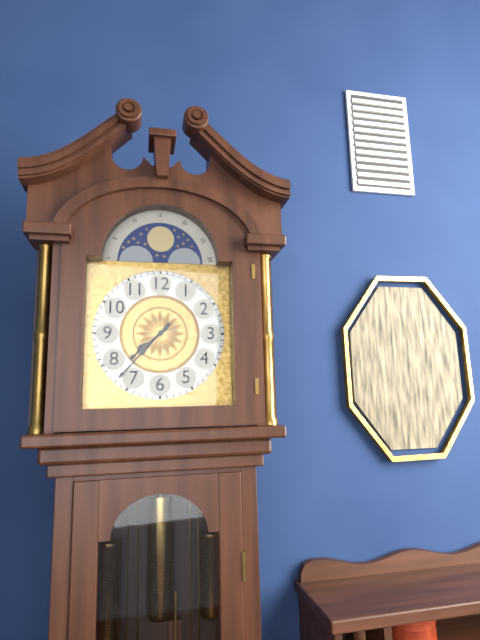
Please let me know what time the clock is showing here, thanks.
7:37
